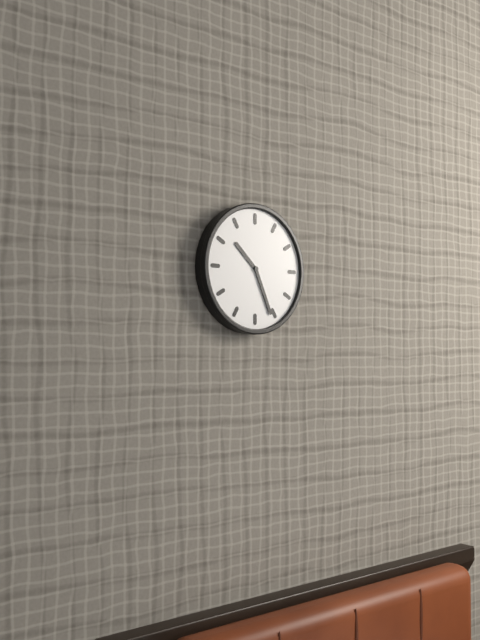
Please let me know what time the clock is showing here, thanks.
10:26
